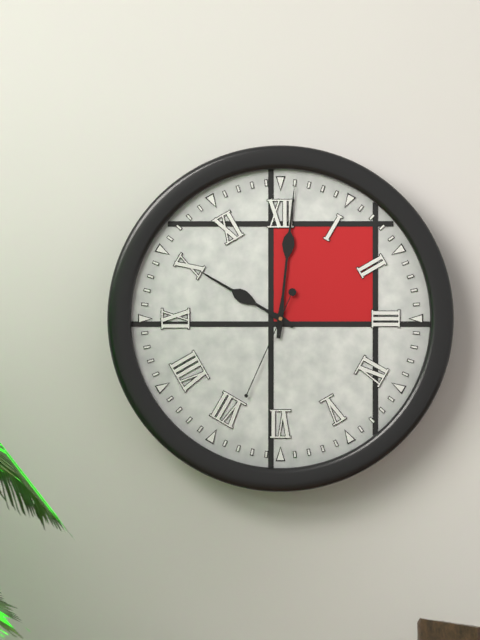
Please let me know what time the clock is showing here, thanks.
10:01:34
